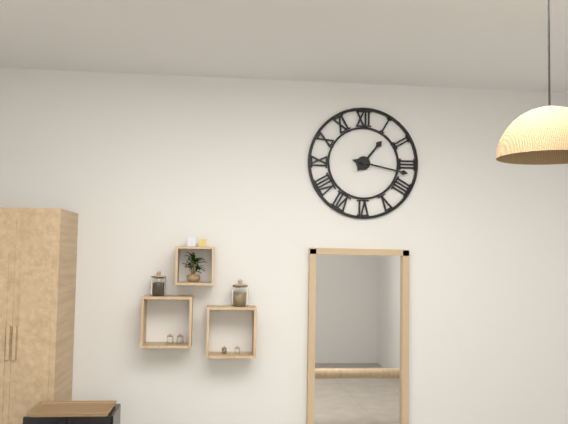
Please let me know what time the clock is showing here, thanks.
1:17
